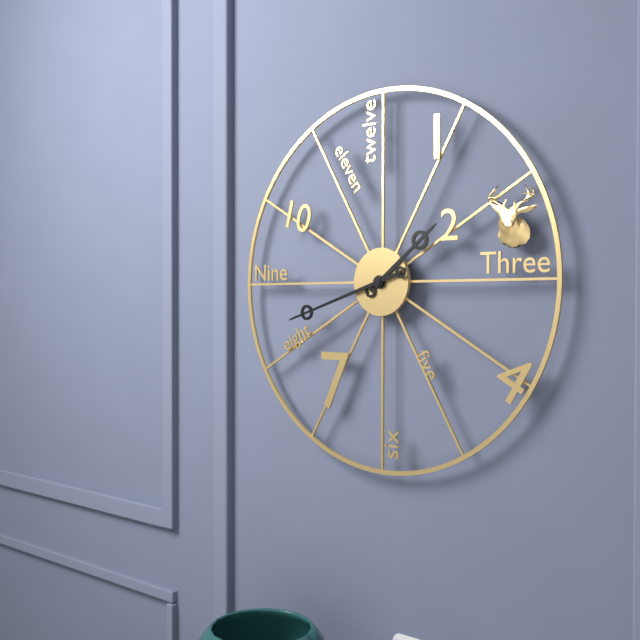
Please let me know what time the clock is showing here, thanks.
1:42
